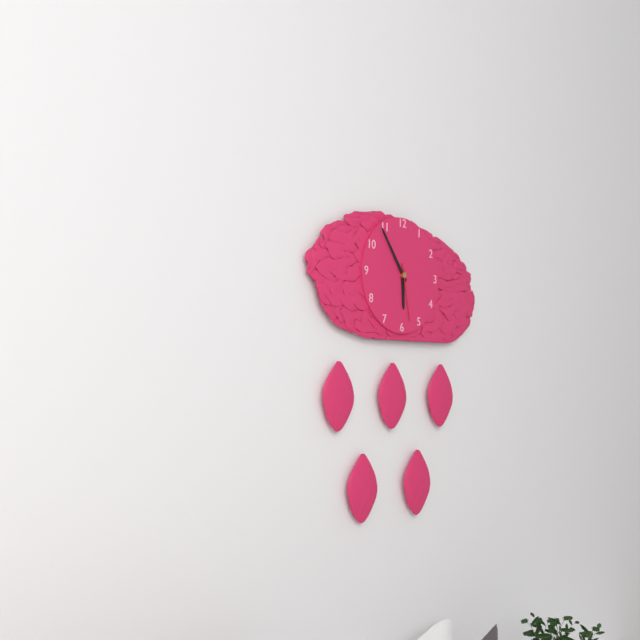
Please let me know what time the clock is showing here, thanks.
5:54:28
